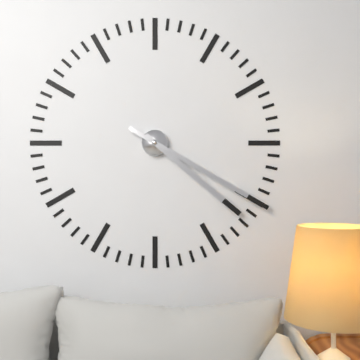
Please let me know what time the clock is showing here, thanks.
4:20
